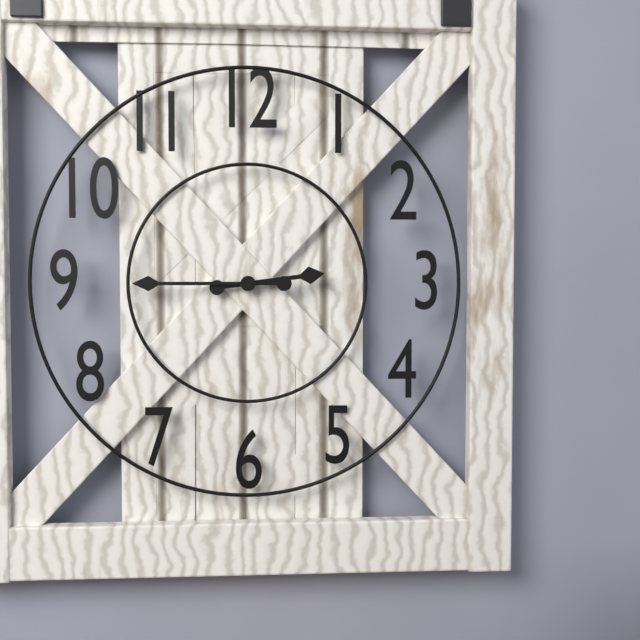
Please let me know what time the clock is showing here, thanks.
2:45
